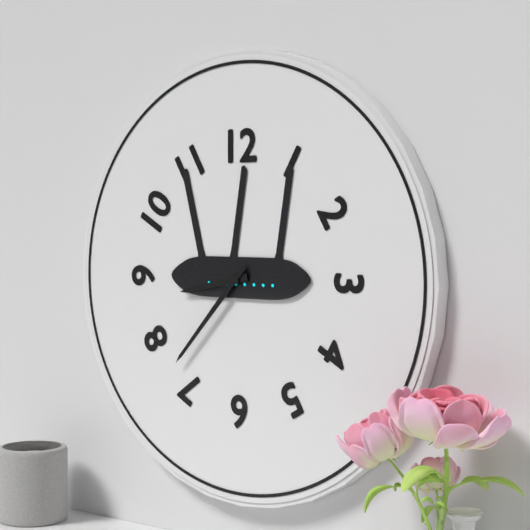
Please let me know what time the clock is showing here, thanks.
8:37
